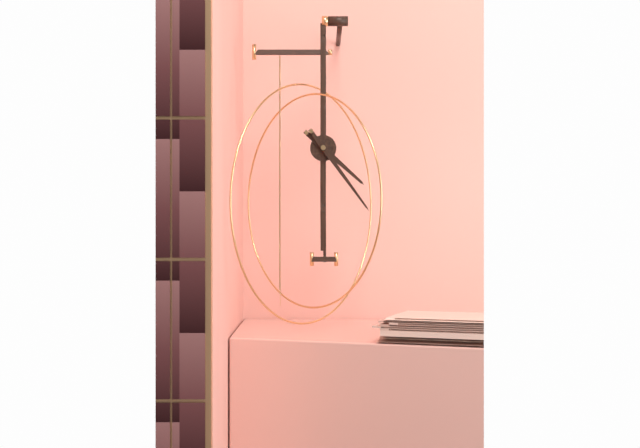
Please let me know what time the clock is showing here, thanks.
4:24
